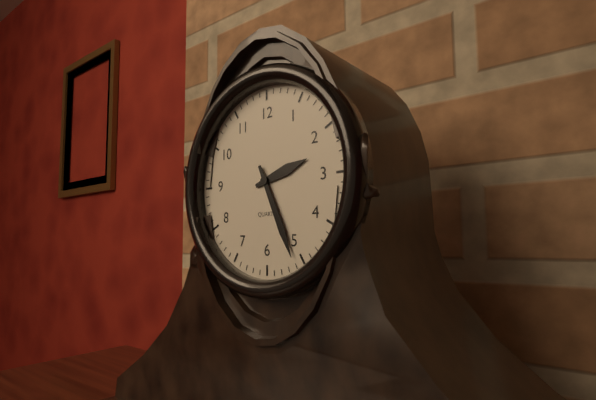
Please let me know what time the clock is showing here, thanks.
2:26
